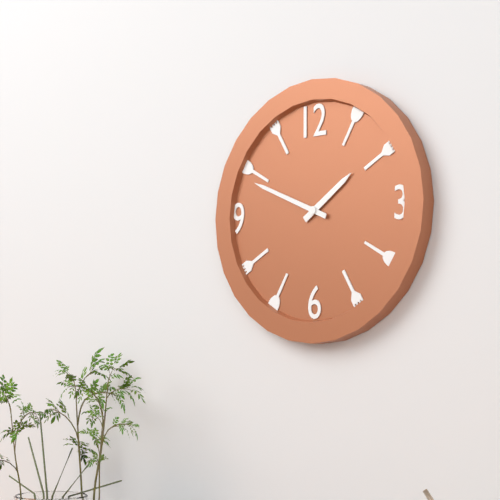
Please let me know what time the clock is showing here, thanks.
1:49
